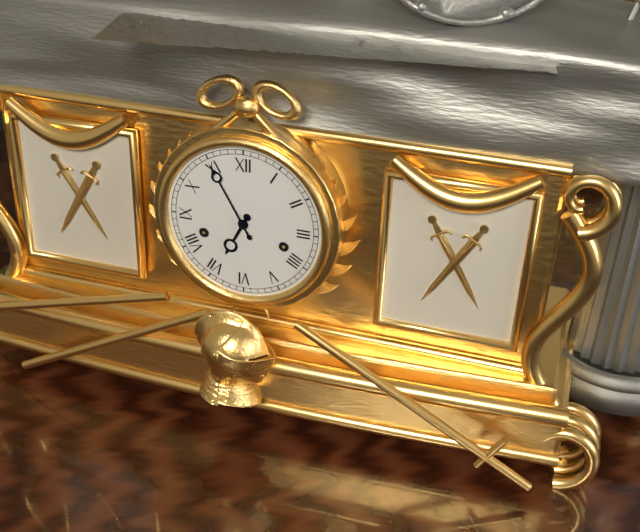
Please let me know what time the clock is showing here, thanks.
6:55
